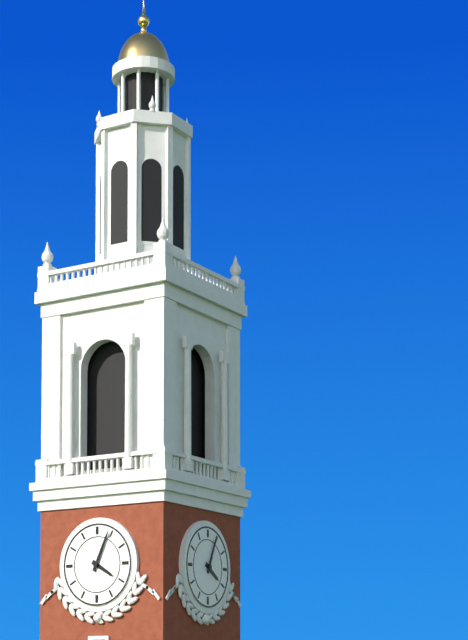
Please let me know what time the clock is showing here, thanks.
4:04
